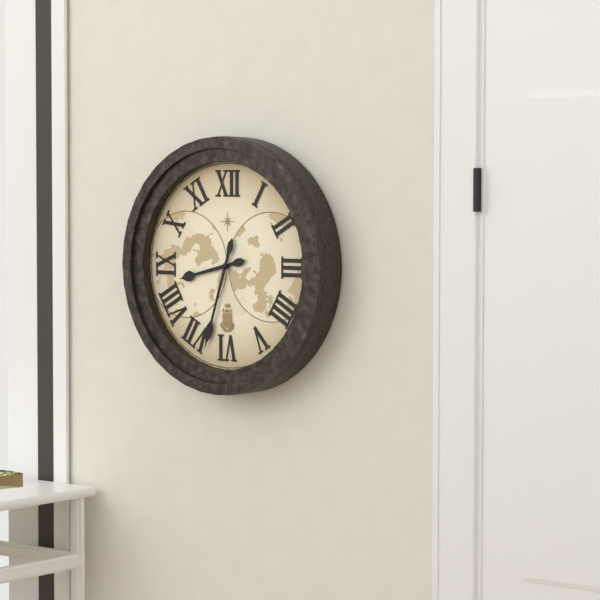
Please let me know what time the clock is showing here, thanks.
8:33
